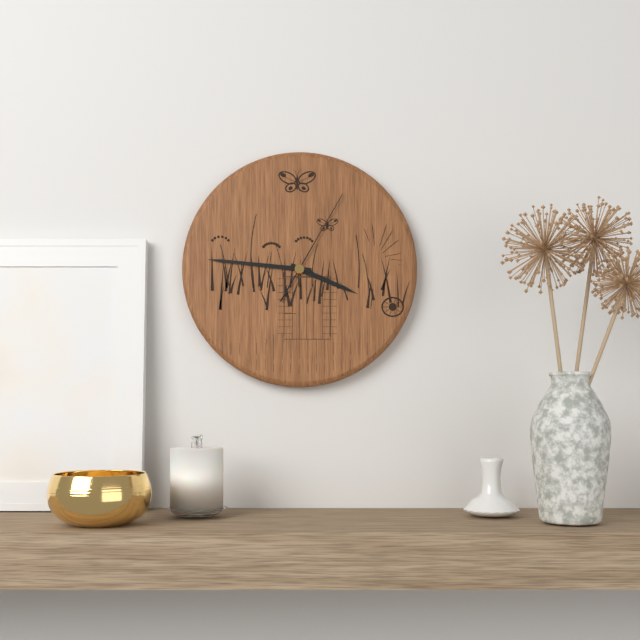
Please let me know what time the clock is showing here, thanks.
3:46:05
